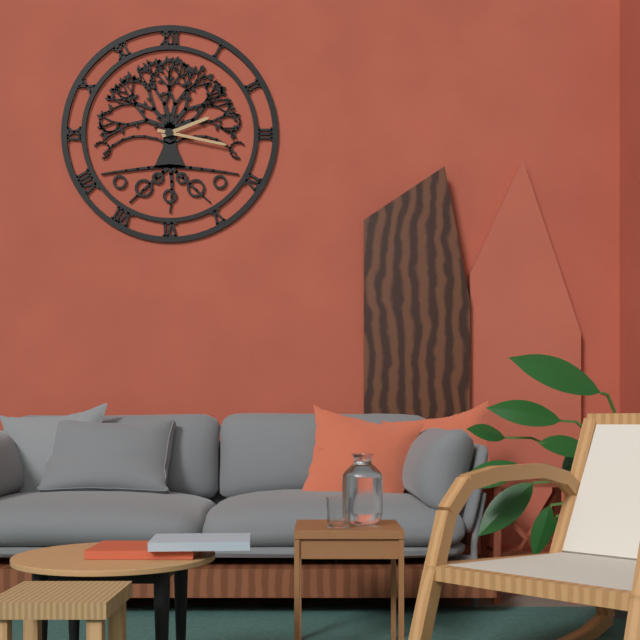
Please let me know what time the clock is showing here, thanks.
2:17
